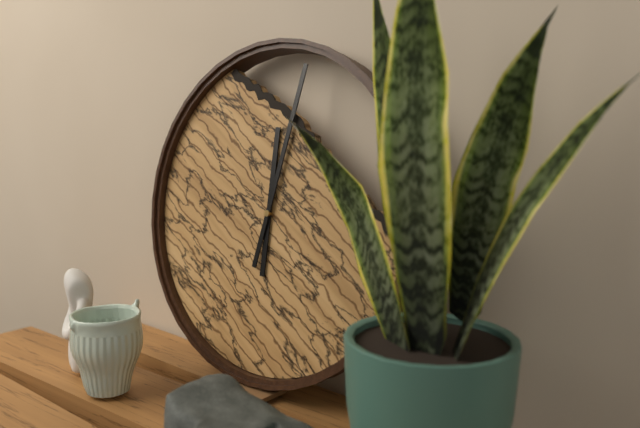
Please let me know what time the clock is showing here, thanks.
12:02
